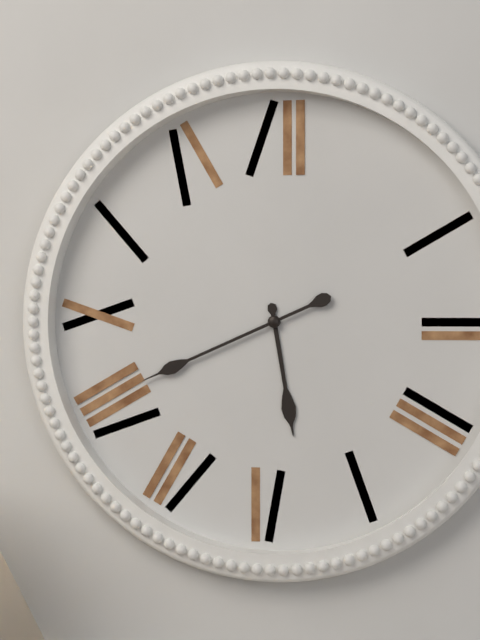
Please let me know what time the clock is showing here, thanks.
5:41
